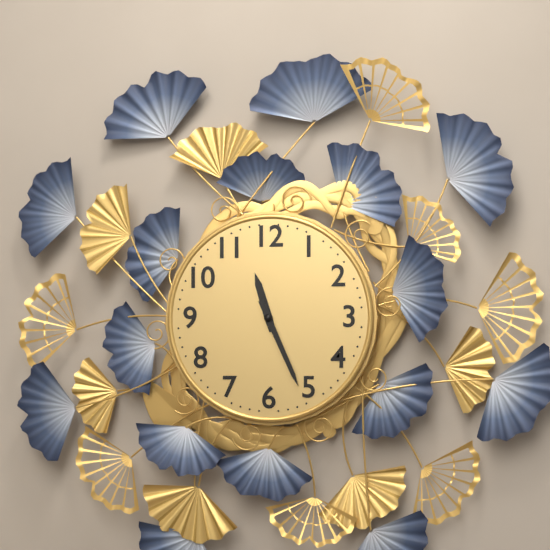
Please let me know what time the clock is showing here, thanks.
11:26
